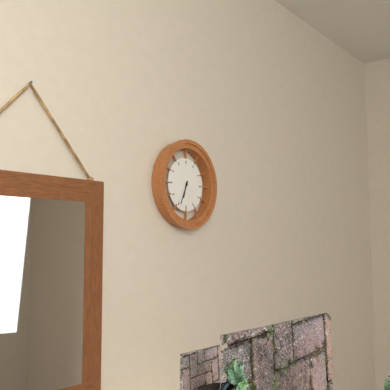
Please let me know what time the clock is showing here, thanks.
6:34
